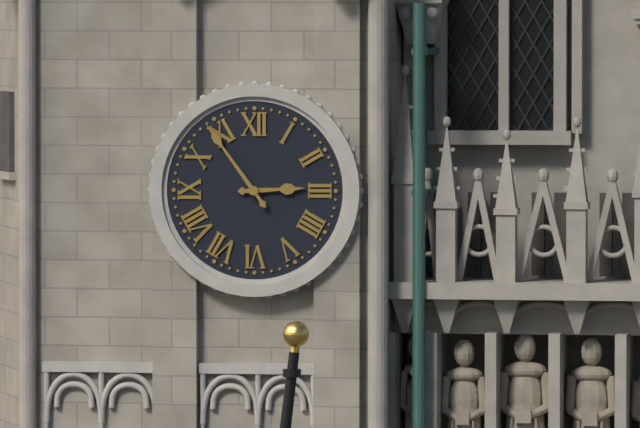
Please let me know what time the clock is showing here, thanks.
2:54
